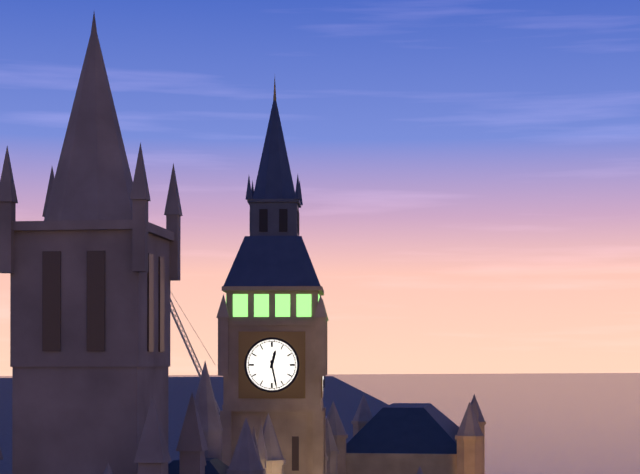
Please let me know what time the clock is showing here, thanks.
12:28
